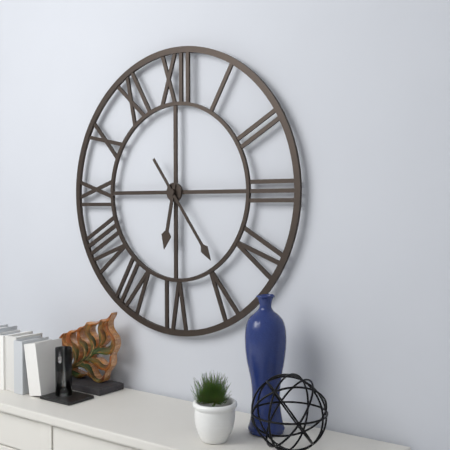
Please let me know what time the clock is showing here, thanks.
6:24
